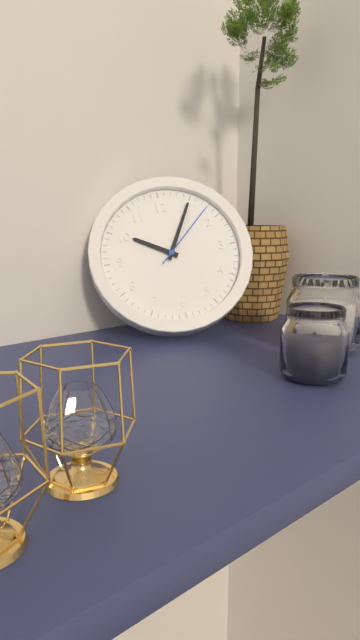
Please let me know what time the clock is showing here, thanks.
10:05:08
